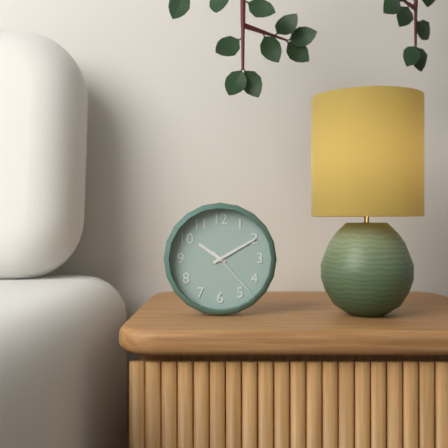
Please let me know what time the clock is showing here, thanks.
10:10:23
